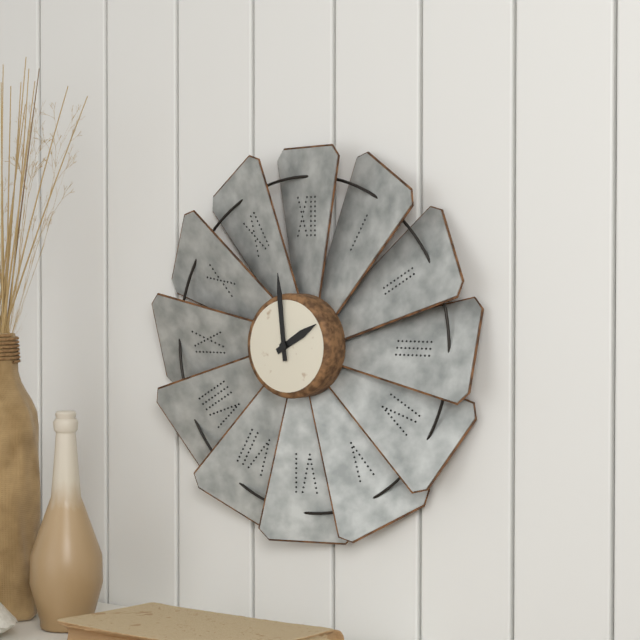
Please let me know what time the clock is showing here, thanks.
1:59
